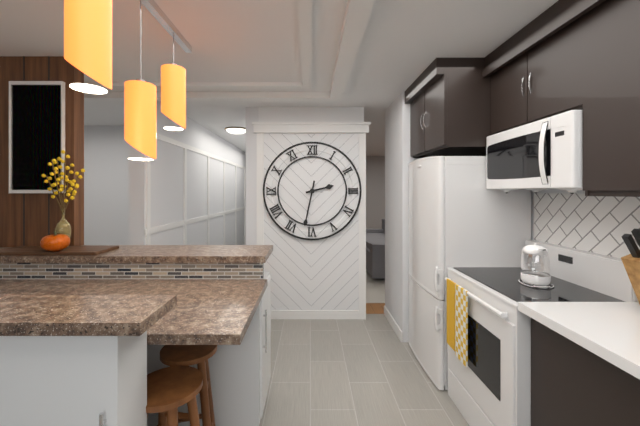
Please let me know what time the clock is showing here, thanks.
2:32
